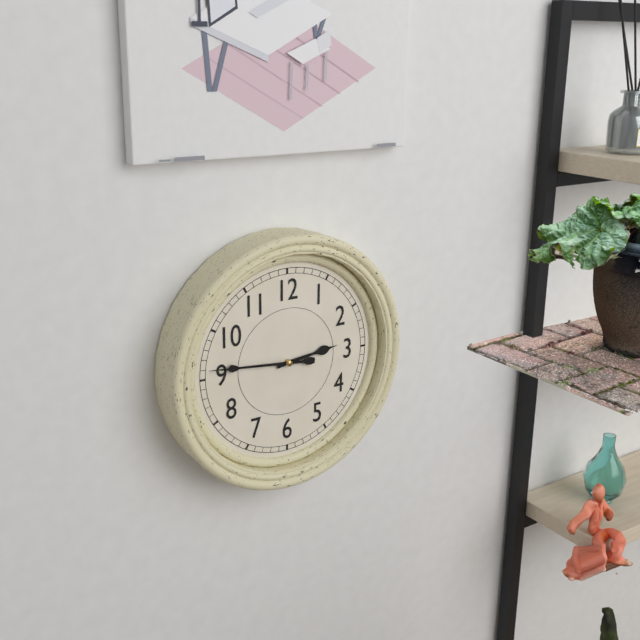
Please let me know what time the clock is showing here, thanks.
2:46
